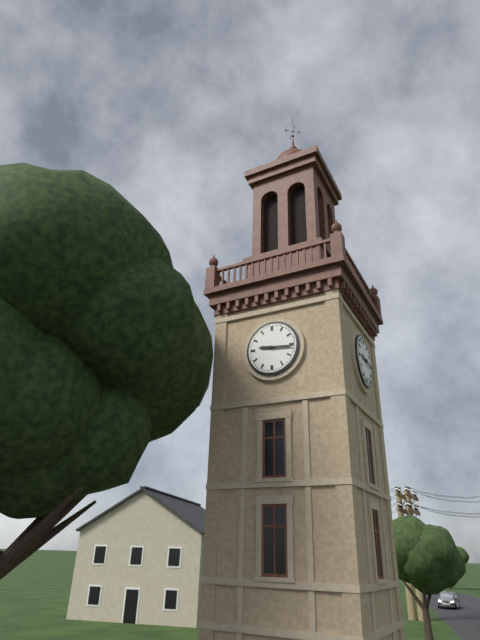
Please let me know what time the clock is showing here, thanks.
9:16
